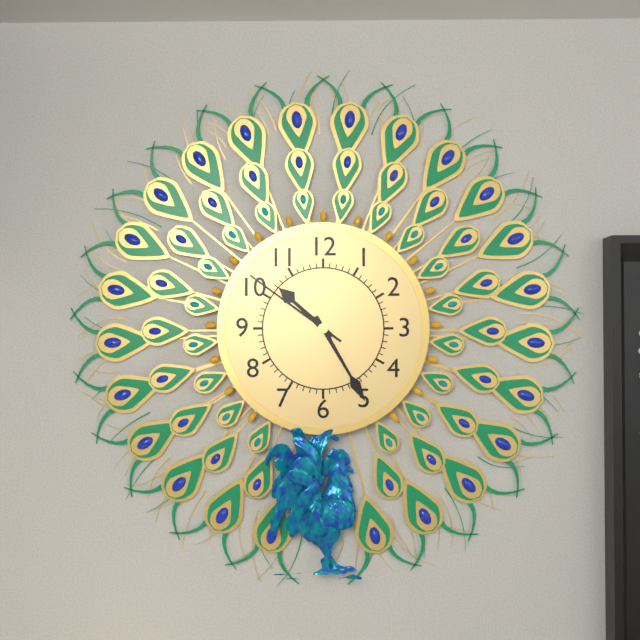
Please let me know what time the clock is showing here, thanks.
10:25:51
